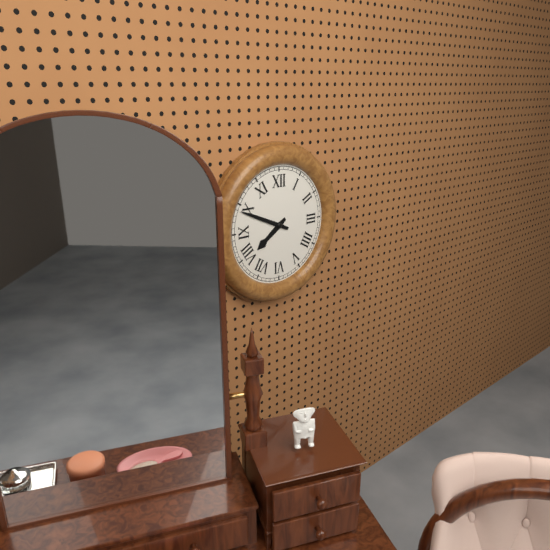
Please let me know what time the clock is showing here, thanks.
7:49
